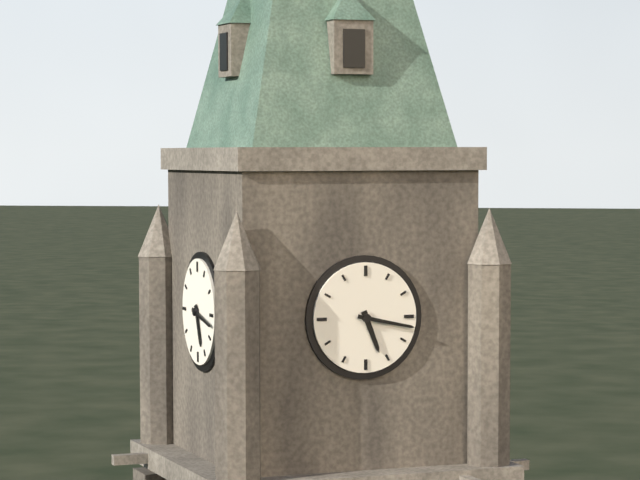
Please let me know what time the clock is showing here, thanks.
5:17
